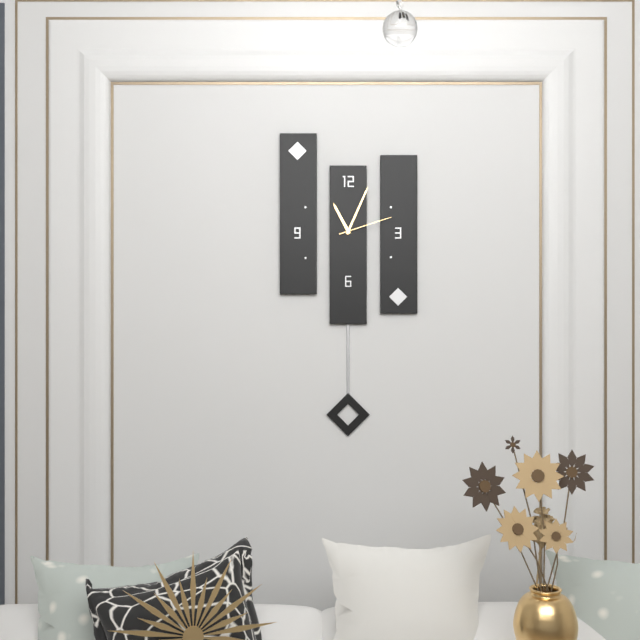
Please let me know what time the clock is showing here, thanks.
11:04:12
